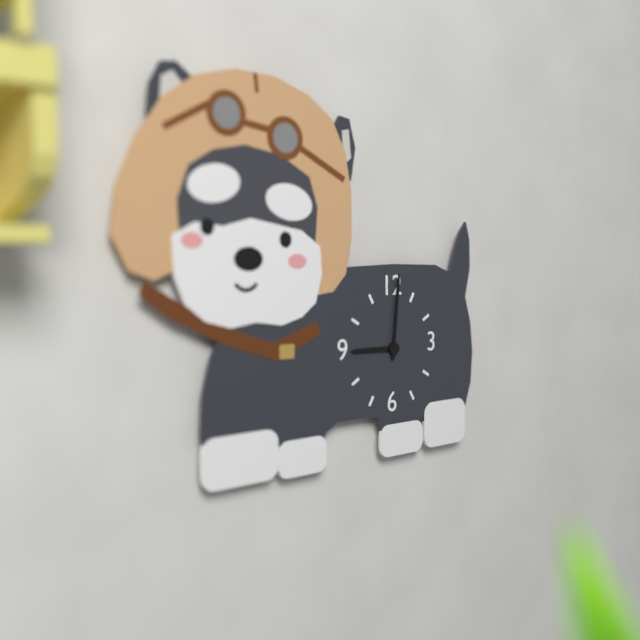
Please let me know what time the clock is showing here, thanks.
9:01
